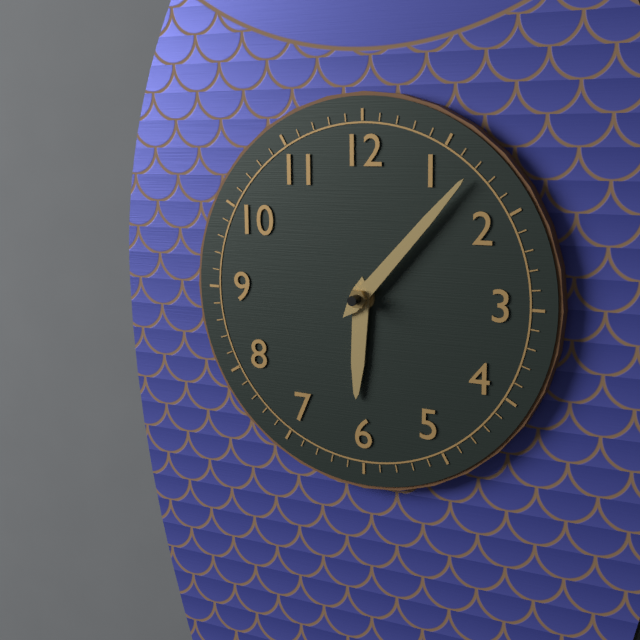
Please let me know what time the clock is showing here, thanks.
6:07
